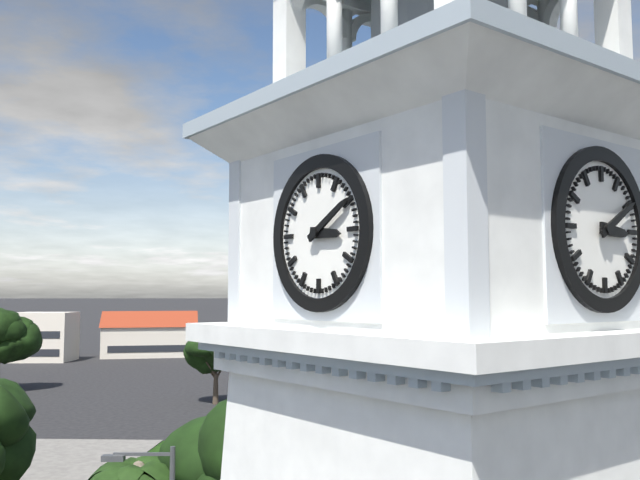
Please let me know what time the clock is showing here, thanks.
3:10
